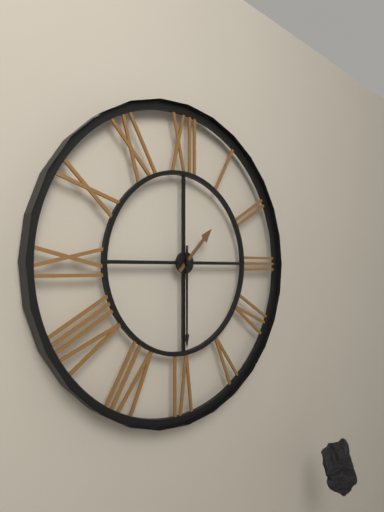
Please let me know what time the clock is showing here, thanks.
1:30
